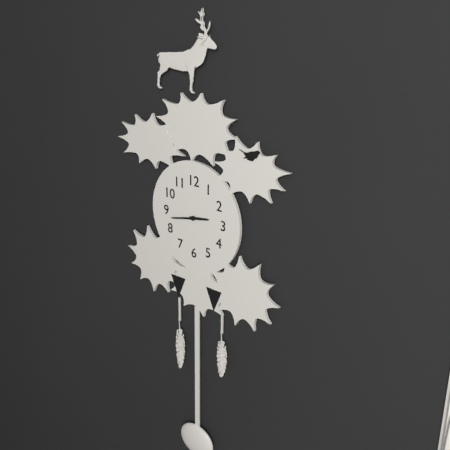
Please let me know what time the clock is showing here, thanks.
2:43
